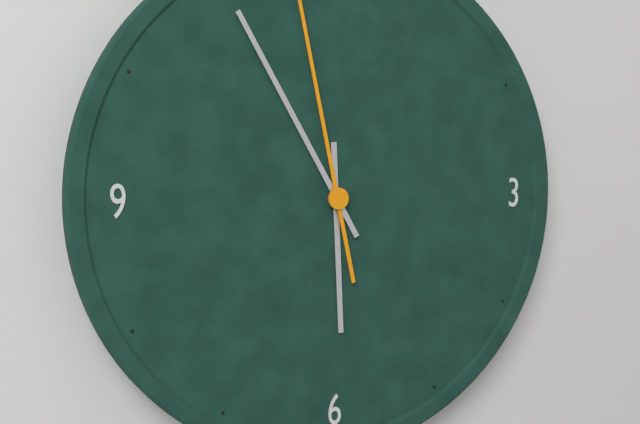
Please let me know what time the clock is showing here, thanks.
5:55
